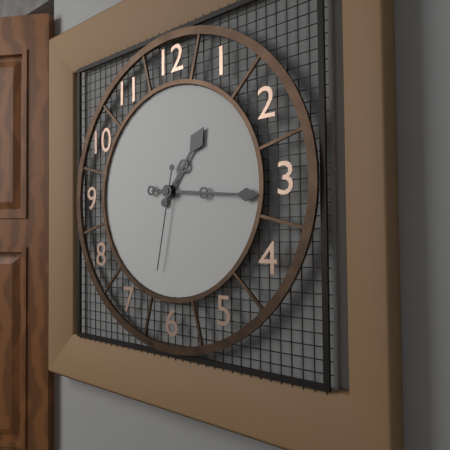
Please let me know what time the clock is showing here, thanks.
1:16:32
